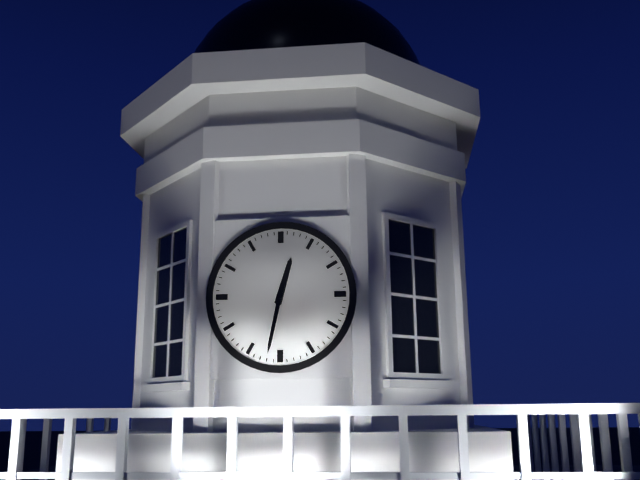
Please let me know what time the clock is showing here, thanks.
12:32
